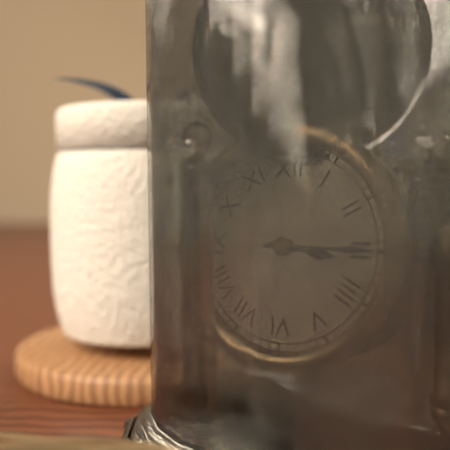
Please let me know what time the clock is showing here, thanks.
3:15
